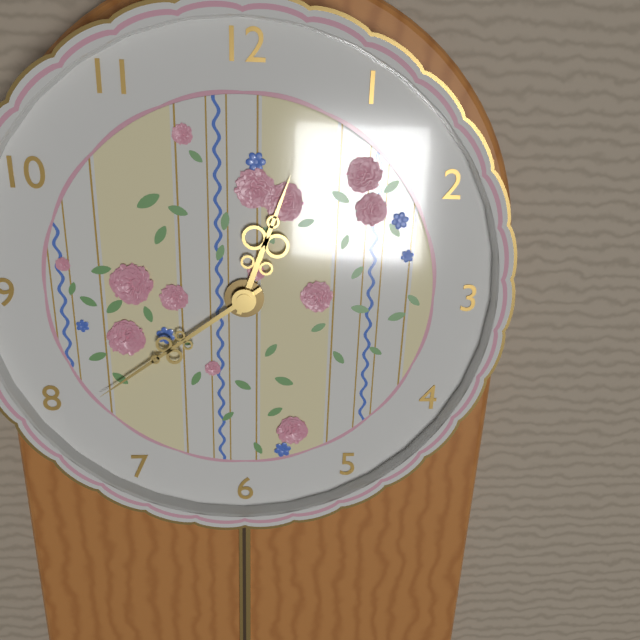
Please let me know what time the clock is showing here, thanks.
12:39
